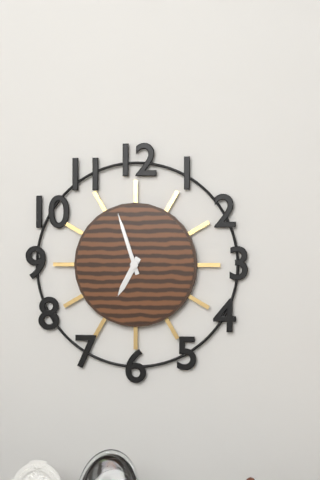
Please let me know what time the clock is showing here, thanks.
6:57
